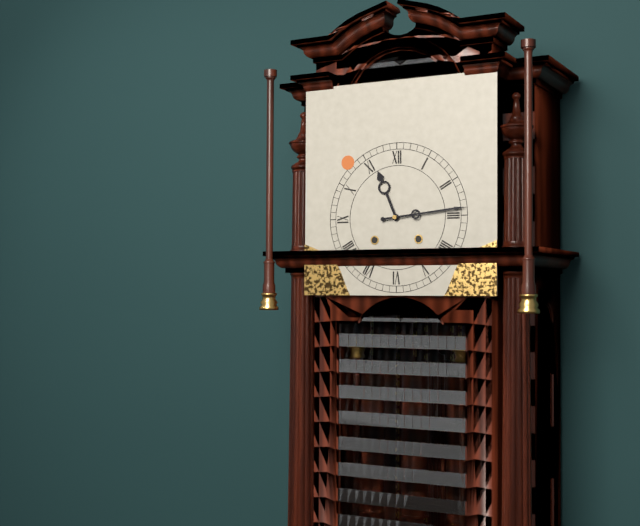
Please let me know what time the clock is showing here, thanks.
11:14
